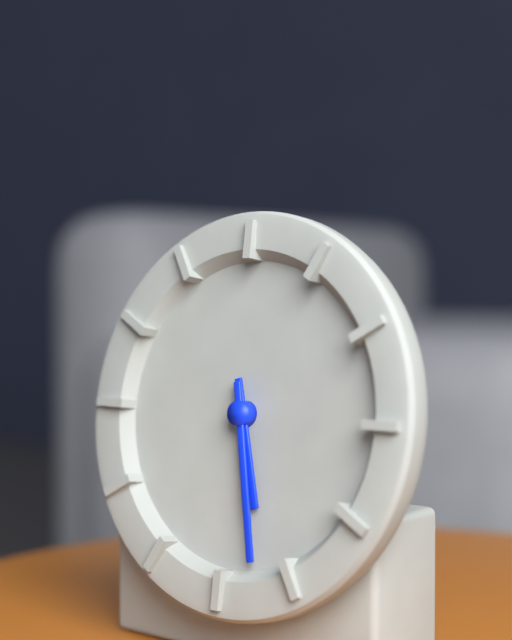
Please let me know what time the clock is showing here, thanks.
5:28
